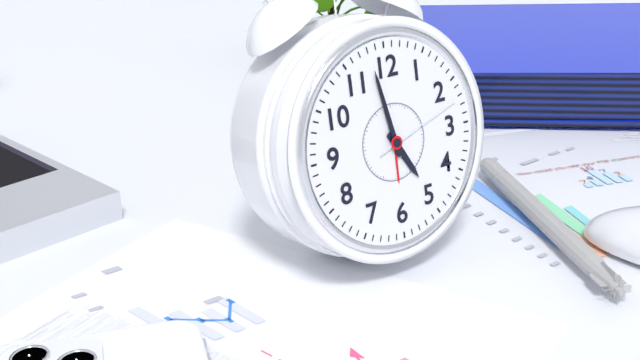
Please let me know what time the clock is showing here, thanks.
4:58:12
